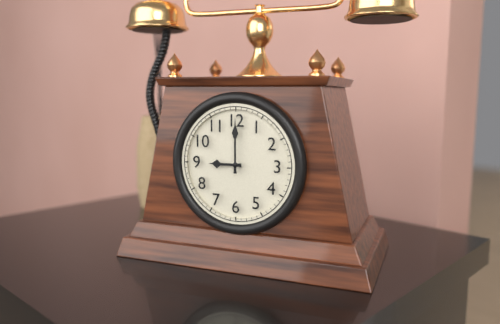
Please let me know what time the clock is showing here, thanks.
9:00
